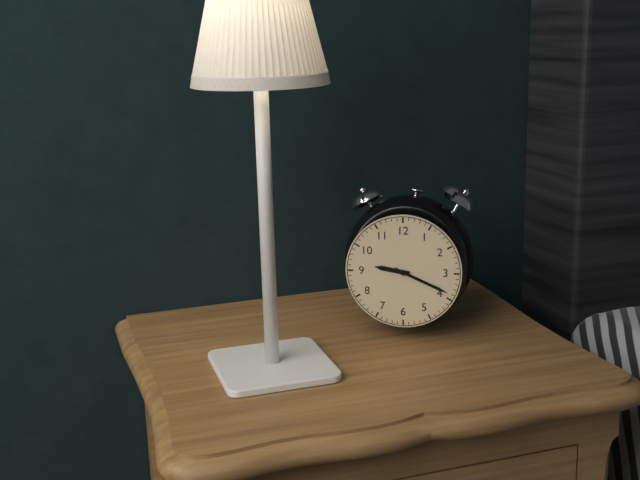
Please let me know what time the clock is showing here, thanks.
9:19
